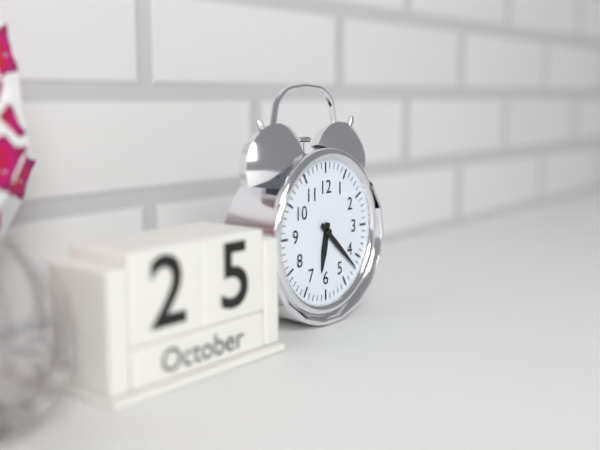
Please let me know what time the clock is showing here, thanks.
6:22
